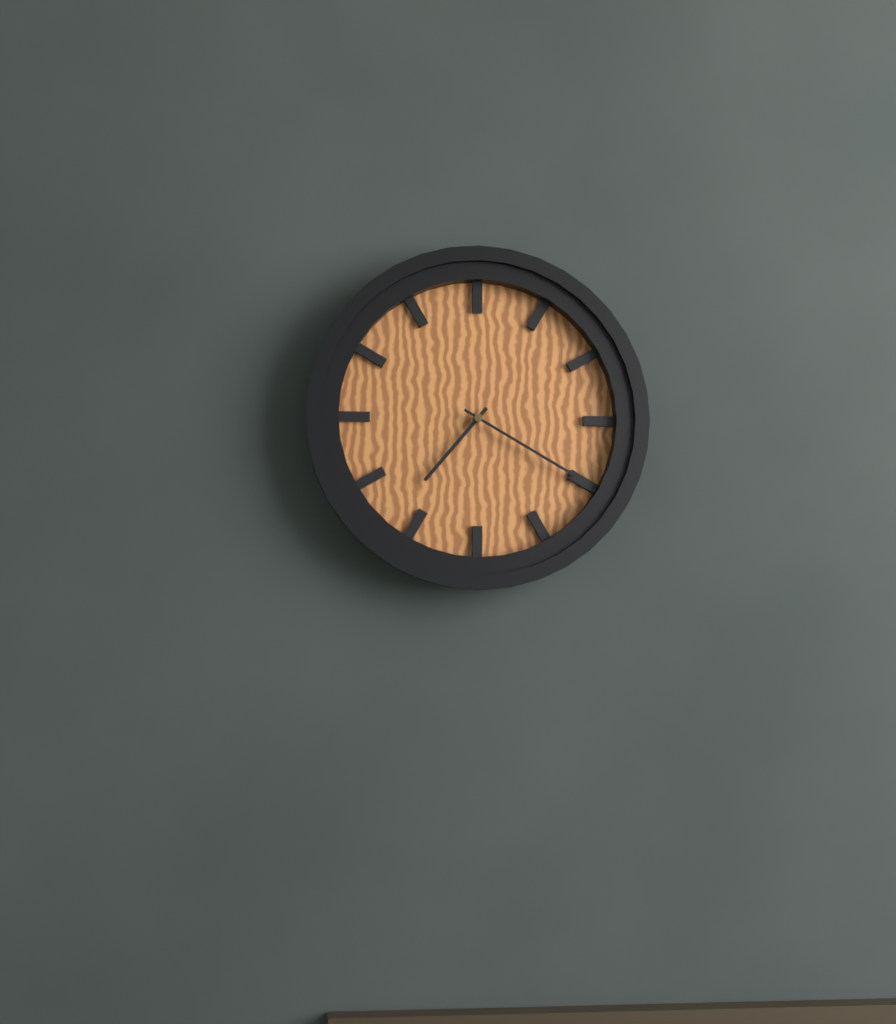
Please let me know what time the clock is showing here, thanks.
7:20
